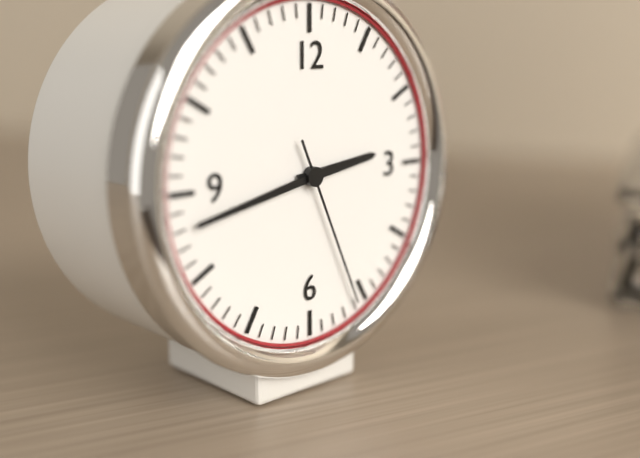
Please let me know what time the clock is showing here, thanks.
2:43:26
